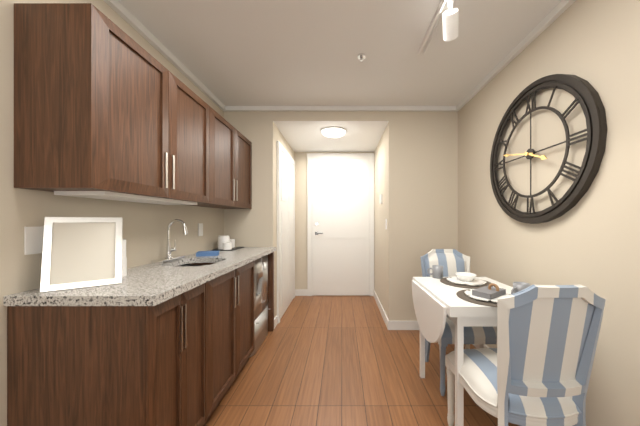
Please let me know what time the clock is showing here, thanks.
3:47
